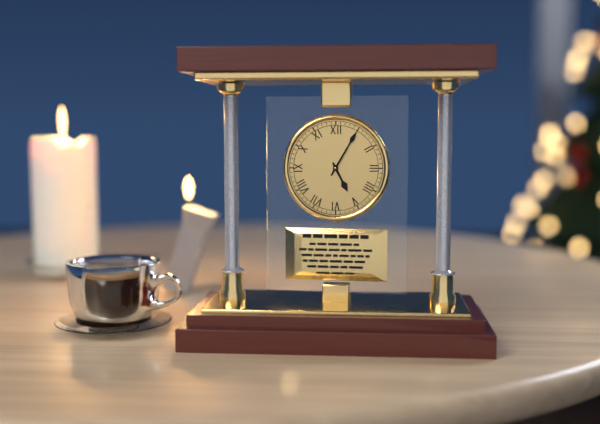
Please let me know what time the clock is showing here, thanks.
5:05
